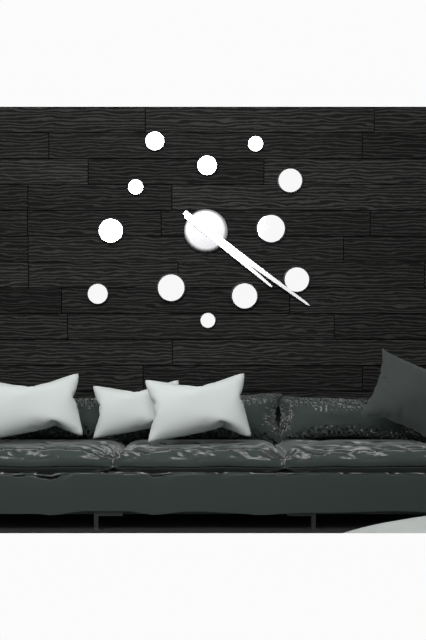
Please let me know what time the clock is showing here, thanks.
4:21
